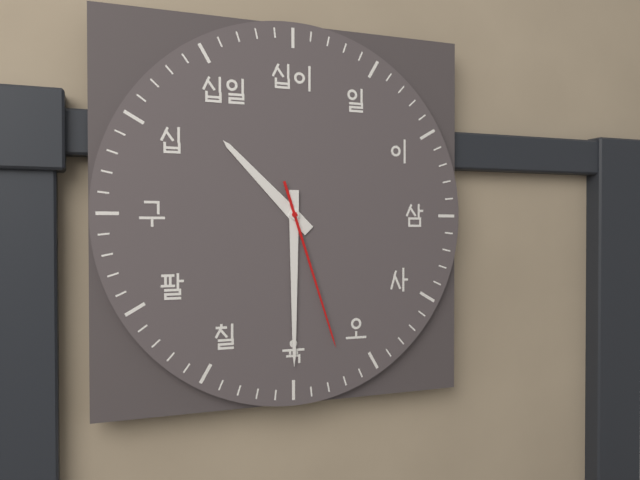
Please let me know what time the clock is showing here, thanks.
10:30:27
